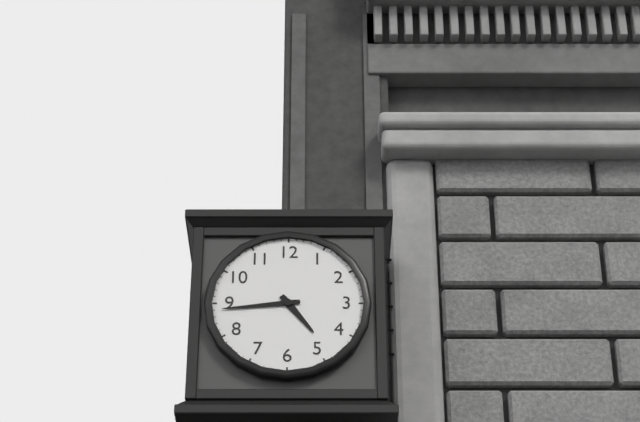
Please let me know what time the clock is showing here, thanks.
4:44
